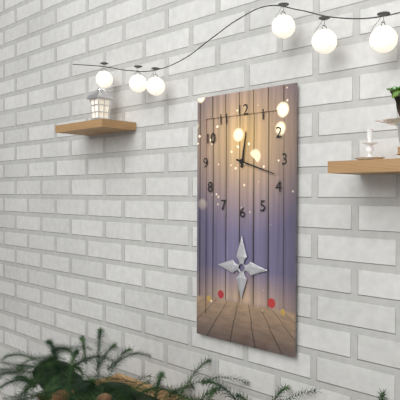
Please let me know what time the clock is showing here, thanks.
12:18
